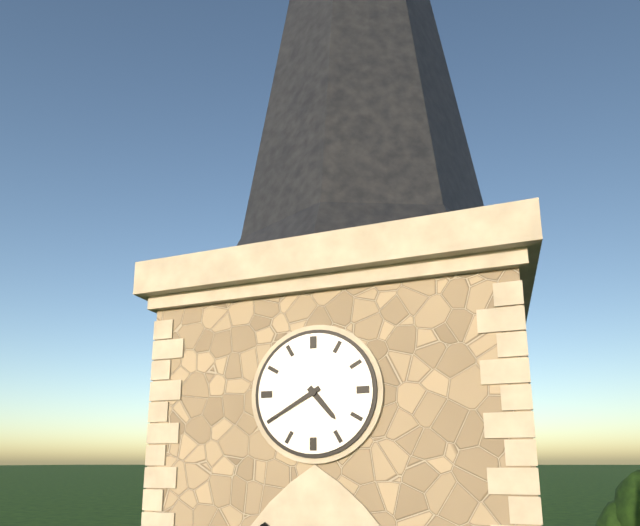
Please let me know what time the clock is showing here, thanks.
4:40
